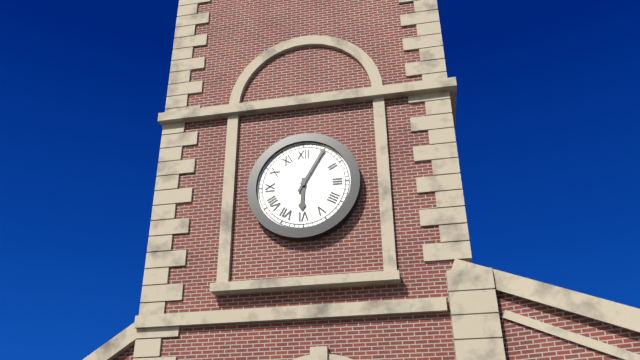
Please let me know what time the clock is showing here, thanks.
6:05
